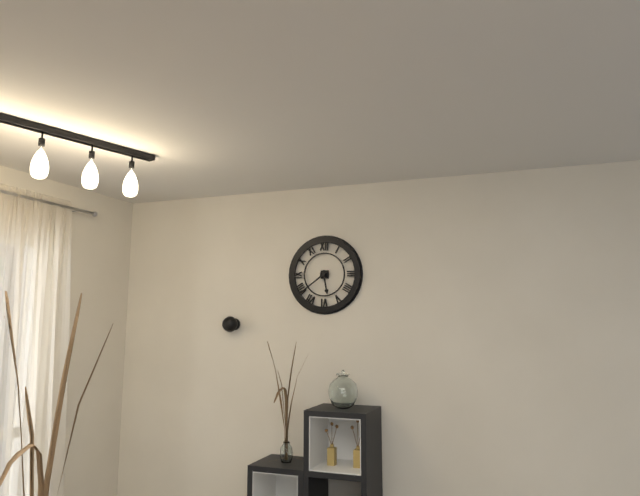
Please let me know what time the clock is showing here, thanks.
5:39
